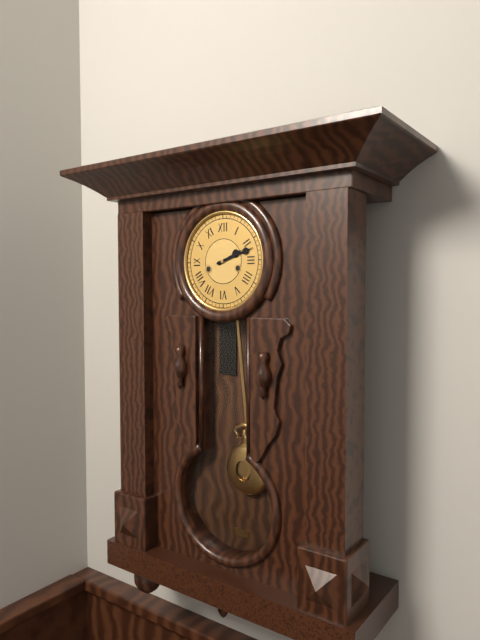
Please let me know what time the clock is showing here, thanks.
2:12
